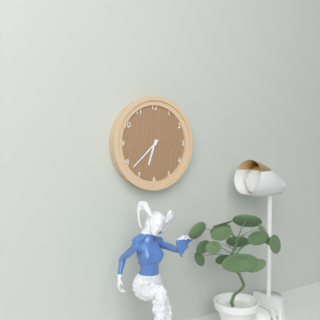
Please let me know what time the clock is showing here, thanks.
6:38
